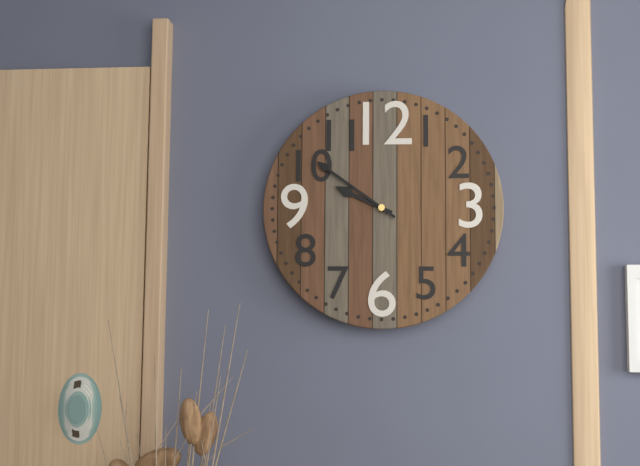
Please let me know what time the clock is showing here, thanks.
9:51
